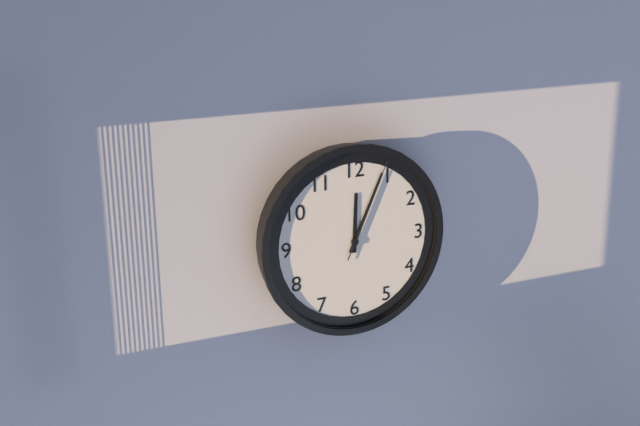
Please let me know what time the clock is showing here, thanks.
12:04:04
